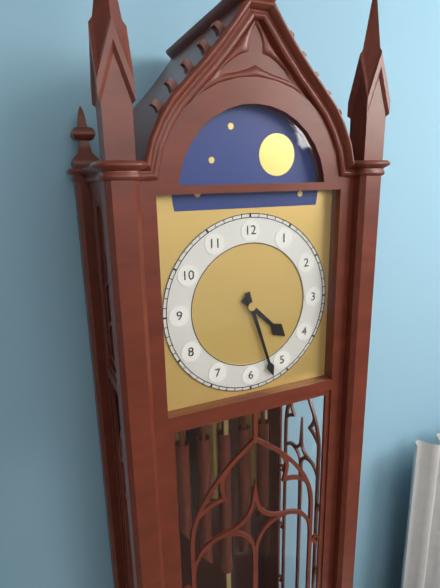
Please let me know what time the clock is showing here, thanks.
4:27
